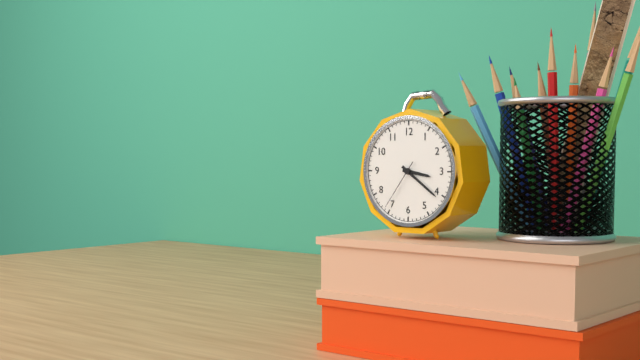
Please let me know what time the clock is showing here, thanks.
3:21:36
